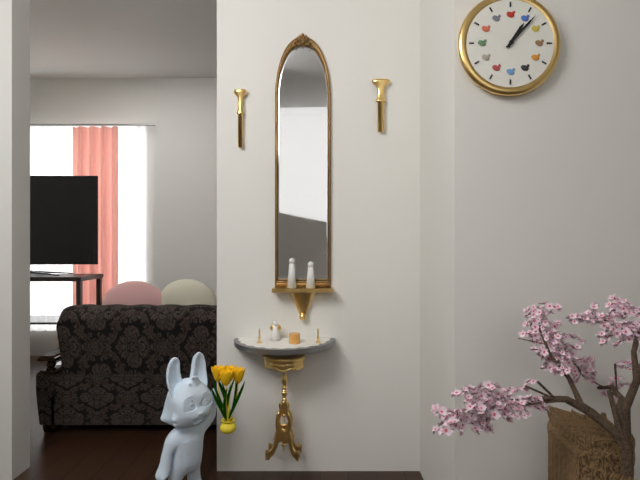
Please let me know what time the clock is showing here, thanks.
1:07
